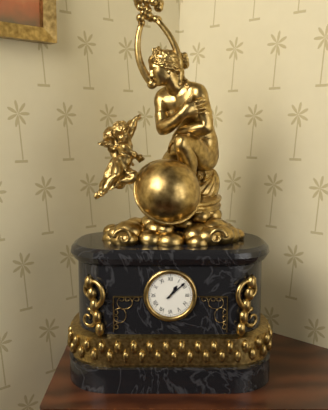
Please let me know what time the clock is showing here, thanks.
1:08
